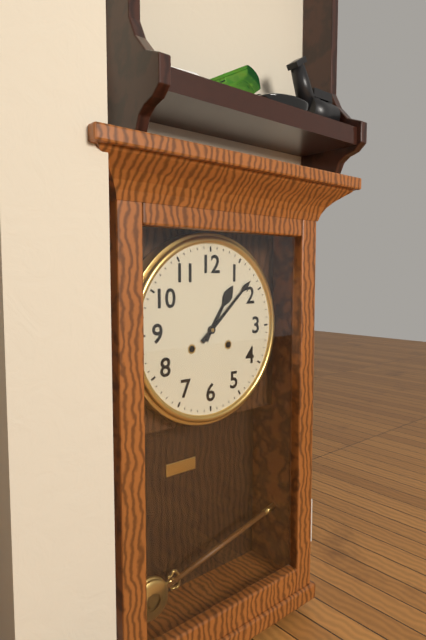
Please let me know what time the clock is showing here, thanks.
1:08
